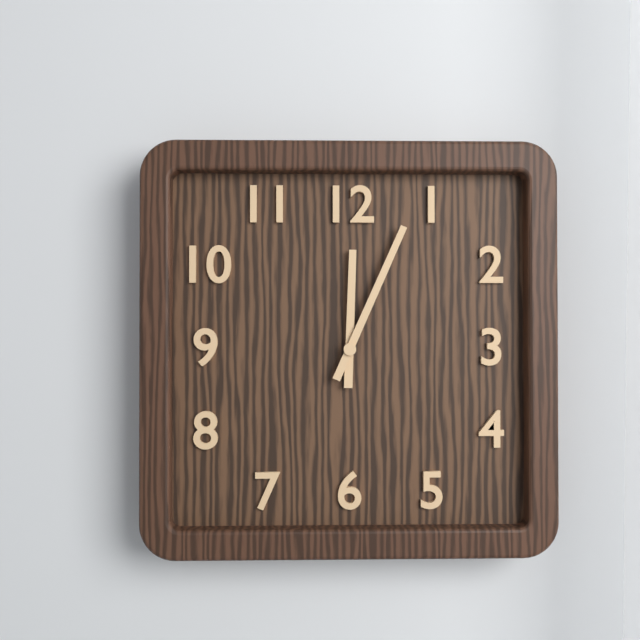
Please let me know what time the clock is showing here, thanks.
12:04
